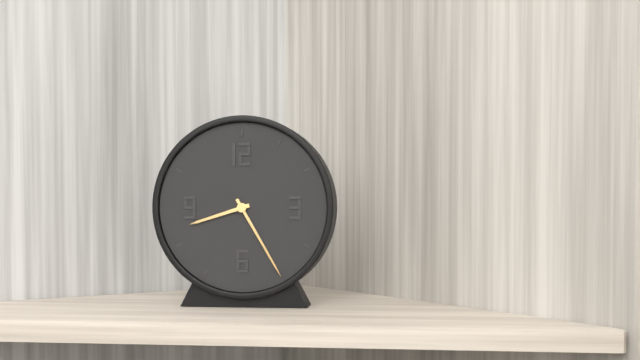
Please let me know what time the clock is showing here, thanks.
8:25
